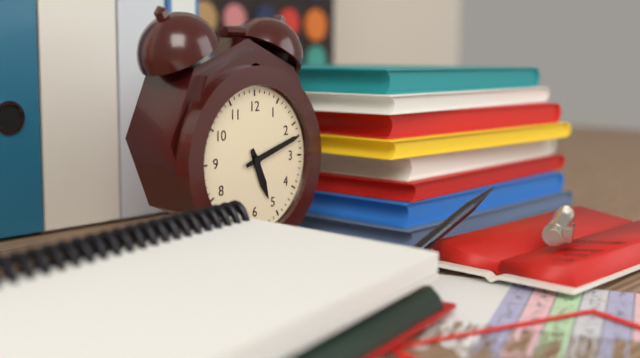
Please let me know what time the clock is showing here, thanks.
5:12
